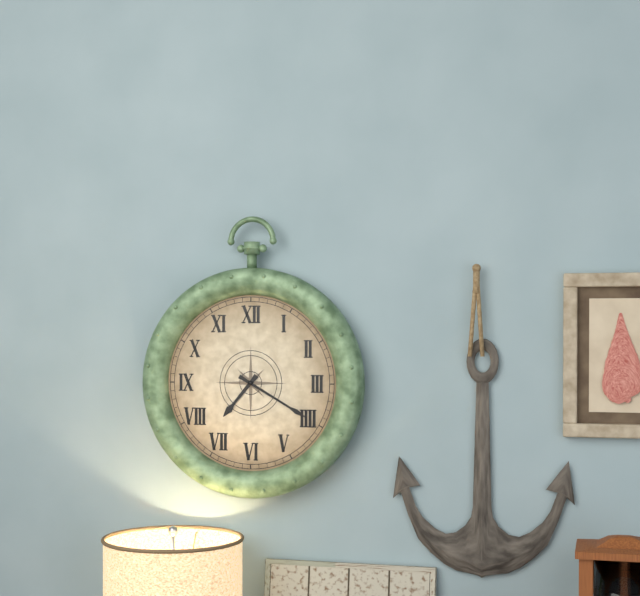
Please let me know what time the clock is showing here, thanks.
7:20
